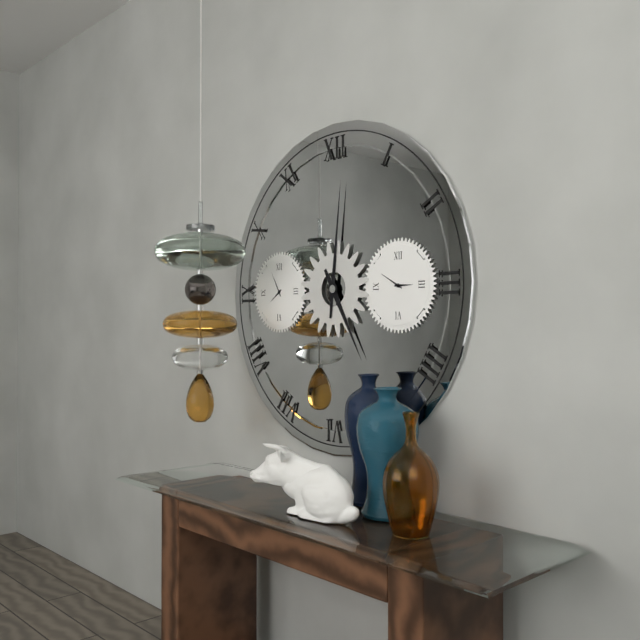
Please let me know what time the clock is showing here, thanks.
5:01
